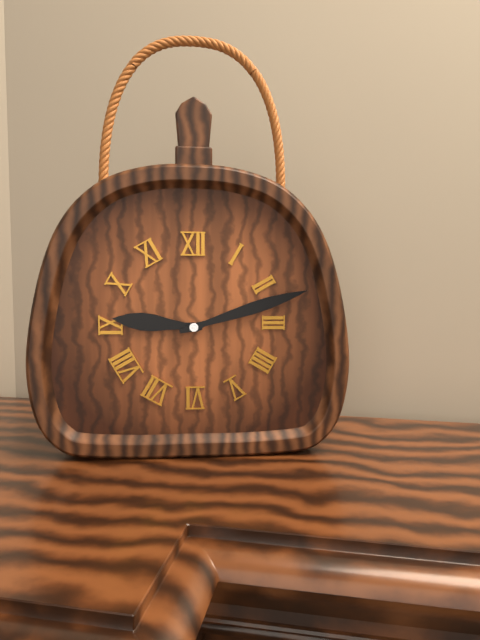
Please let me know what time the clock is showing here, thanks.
9:12
